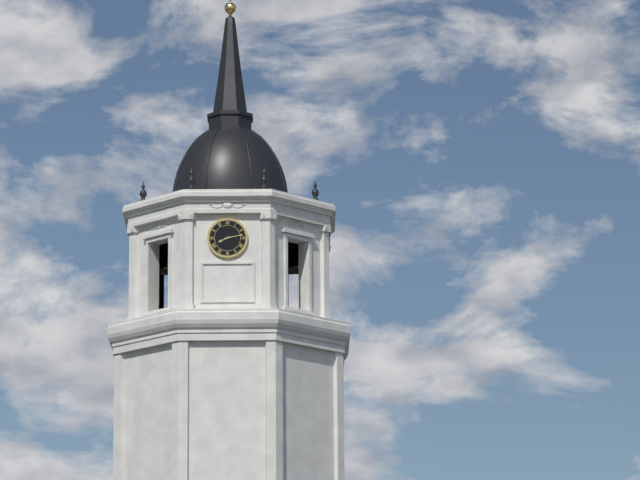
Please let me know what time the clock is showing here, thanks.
8:13
